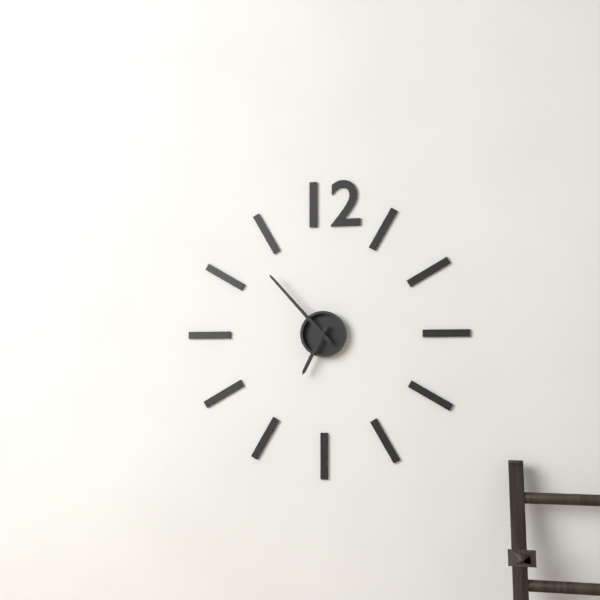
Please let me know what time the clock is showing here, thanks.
6:53
